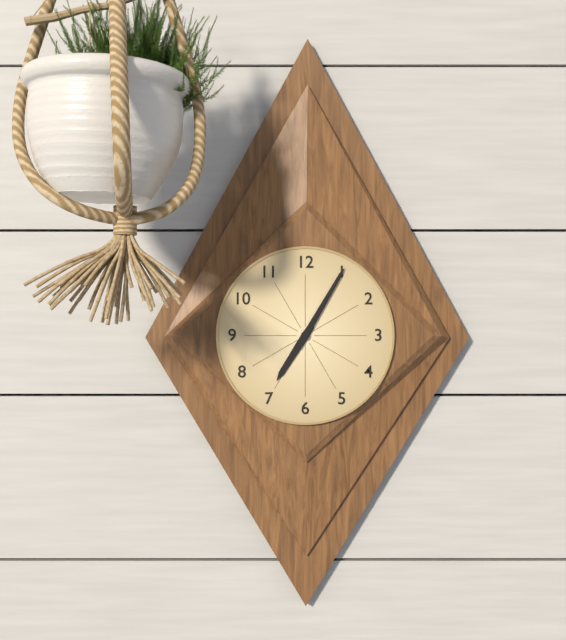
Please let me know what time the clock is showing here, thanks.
7:05
